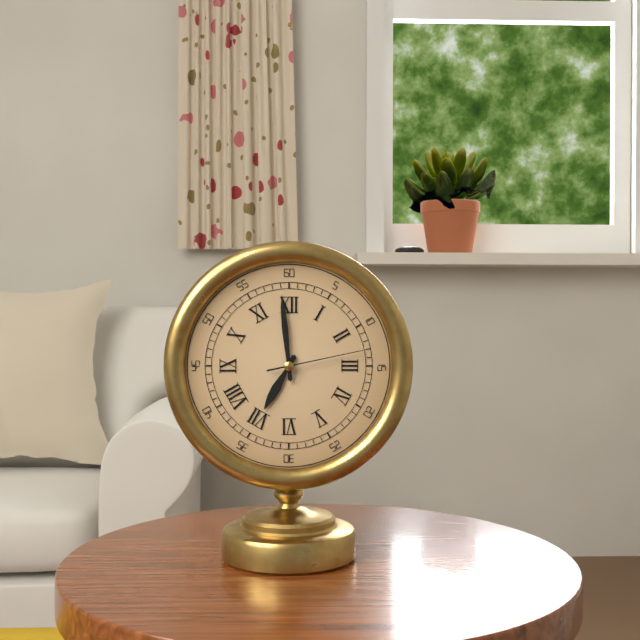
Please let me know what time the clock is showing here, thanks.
6:59:13
